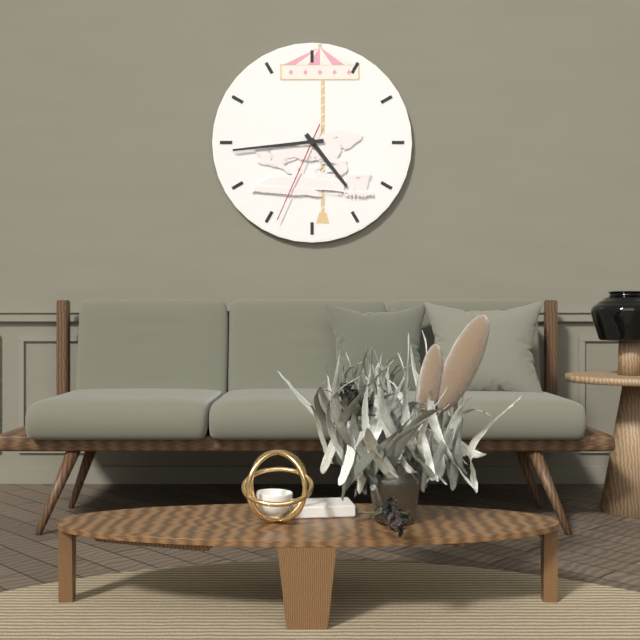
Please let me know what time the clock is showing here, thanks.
4:44:34
